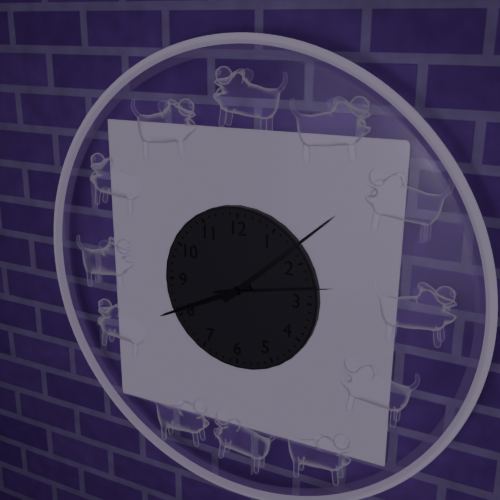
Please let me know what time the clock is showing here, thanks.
8:08:13
